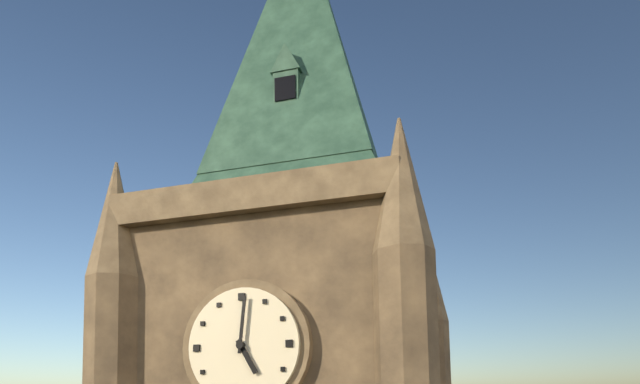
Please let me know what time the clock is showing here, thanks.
5:01
